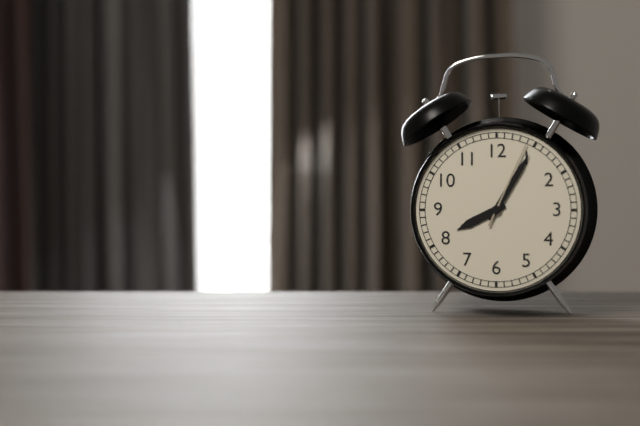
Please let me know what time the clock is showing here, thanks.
8:05:04
